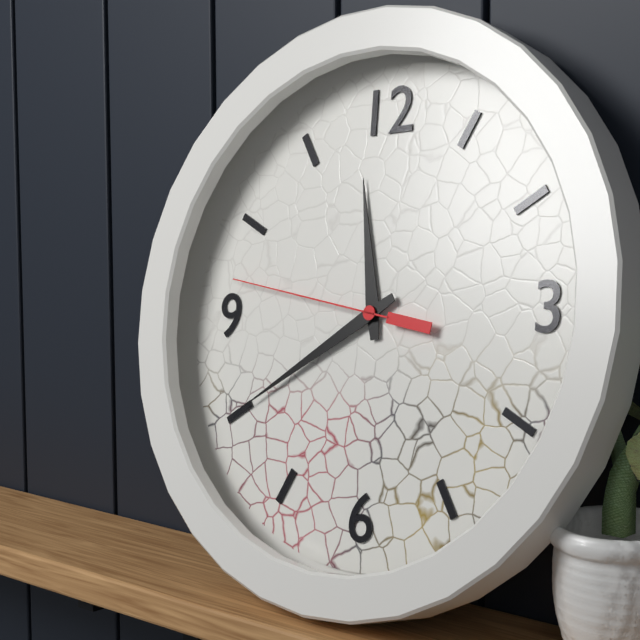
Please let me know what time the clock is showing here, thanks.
11:40:47
